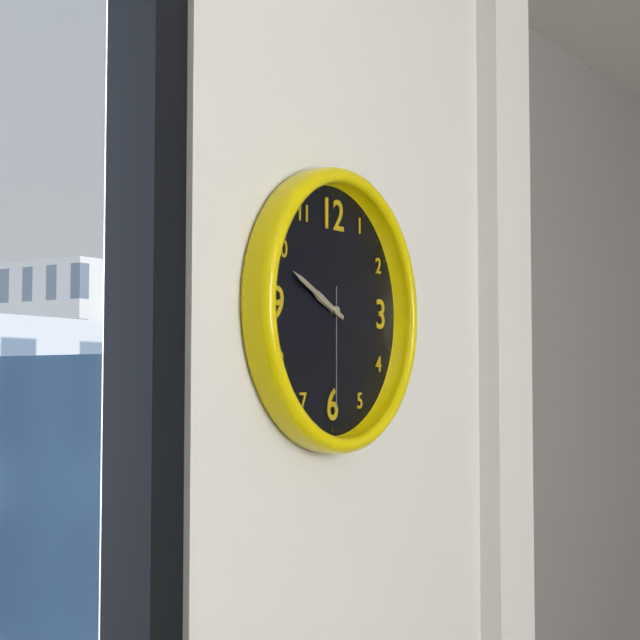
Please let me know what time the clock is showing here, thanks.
9:49:30
